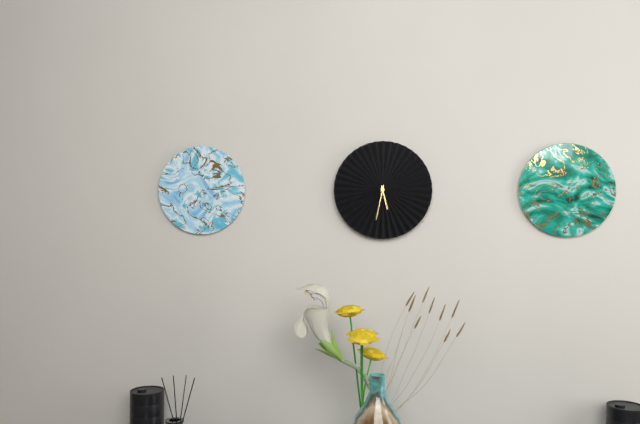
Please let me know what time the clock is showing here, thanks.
5:32
